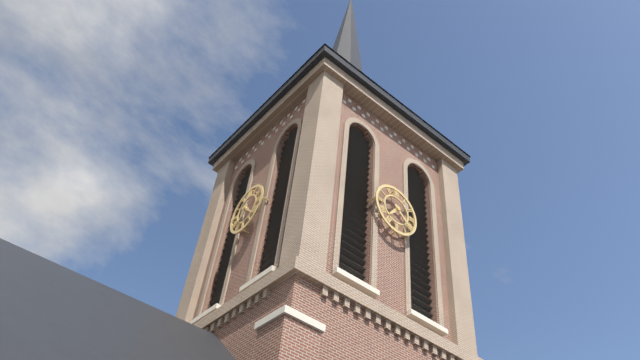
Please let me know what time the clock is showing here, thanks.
7:22
